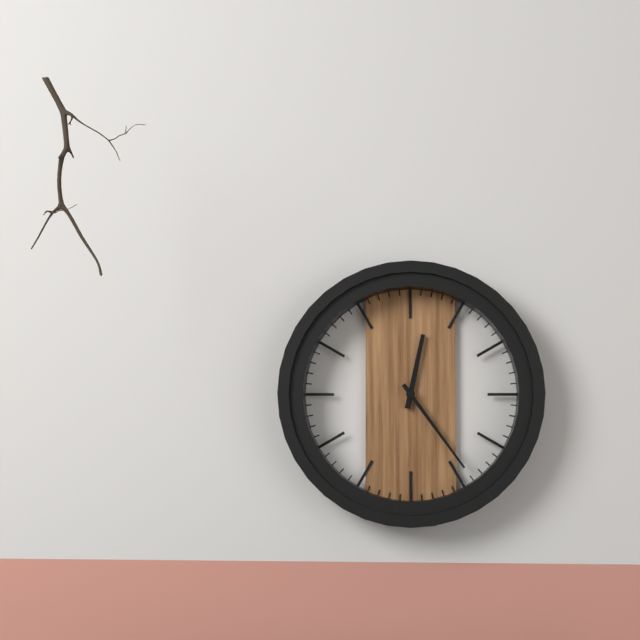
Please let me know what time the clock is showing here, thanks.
12:24
